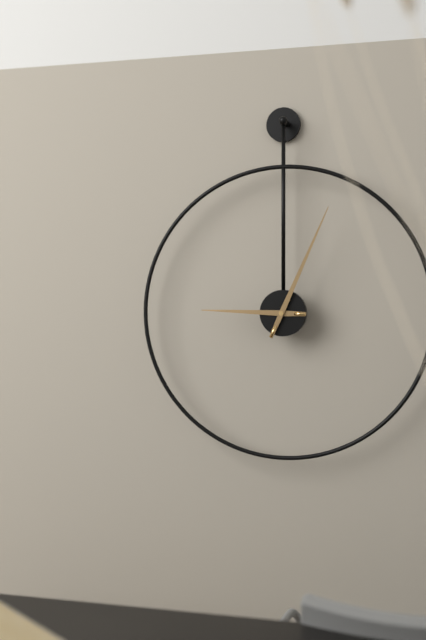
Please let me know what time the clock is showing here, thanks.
9:04
